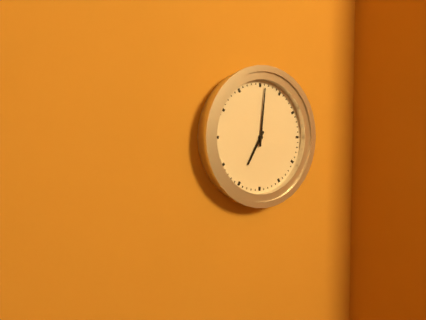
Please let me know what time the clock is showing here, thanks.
7:01
